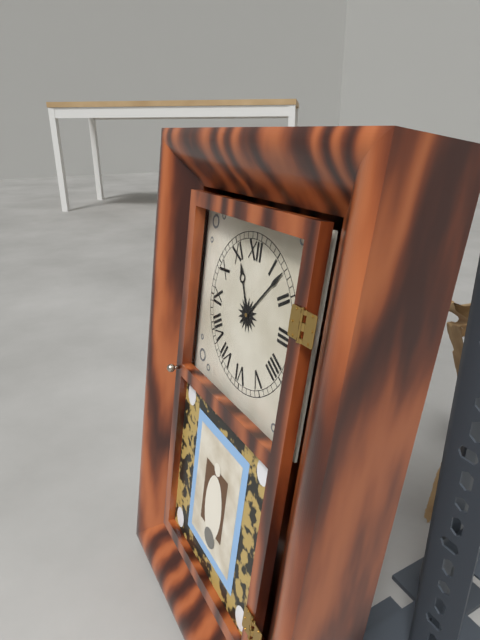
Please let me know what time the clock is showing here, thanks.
11:07
